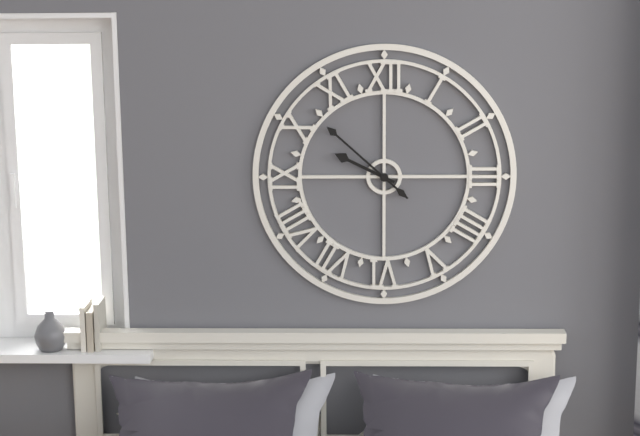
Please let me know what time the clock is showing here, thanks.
9:52
